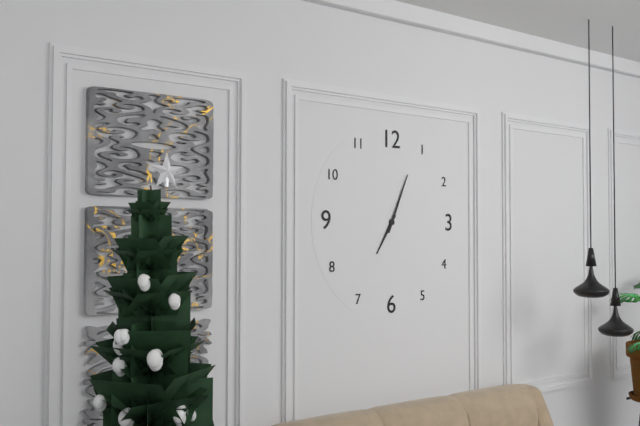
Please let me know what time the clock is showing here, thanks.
7:04
